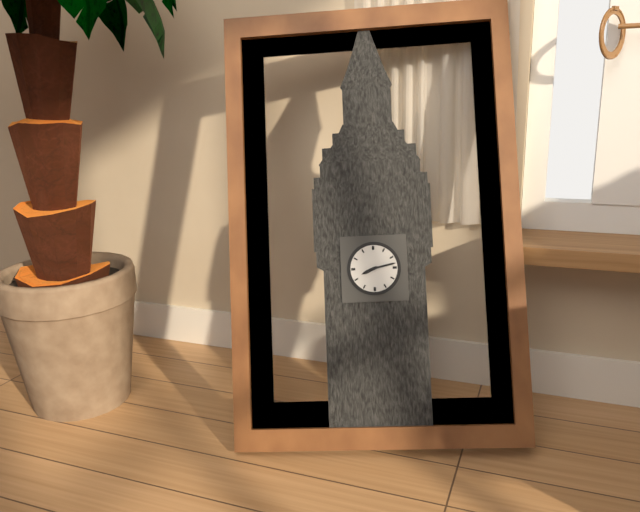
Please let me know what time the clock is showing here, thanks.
8:13
